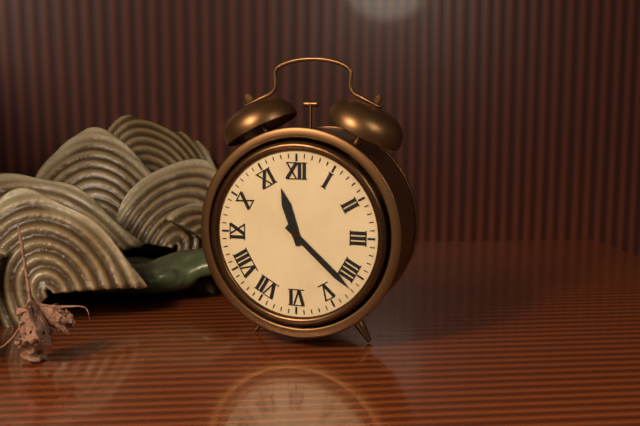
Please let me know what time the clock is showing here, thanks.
11:22
